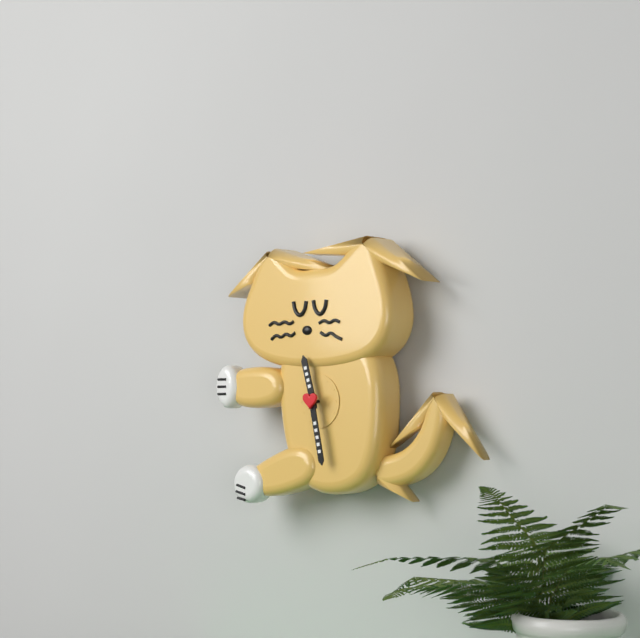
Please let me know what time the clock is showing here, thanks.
11:28
